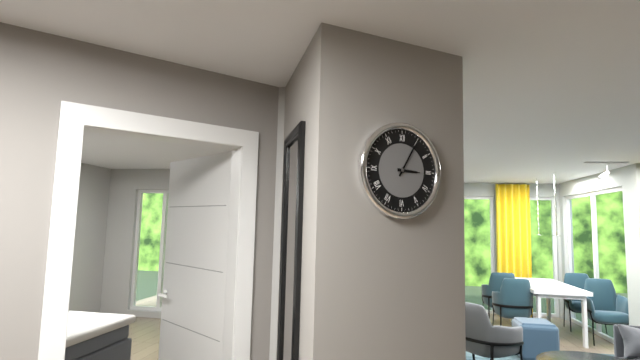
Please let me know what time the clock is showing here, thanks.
3:05
